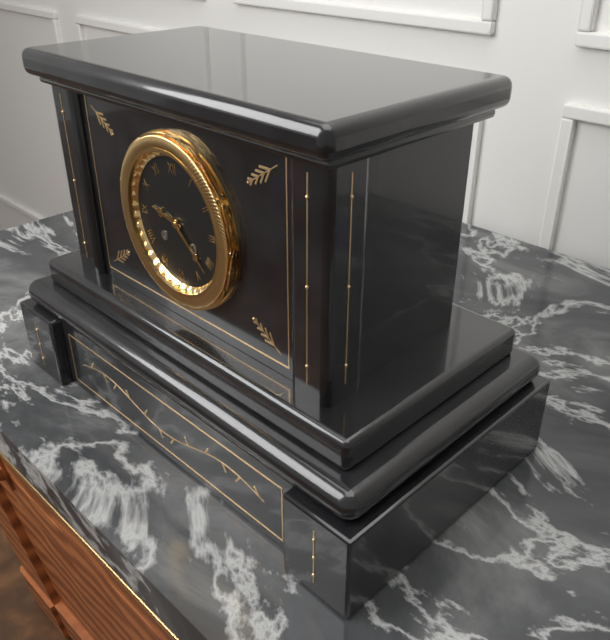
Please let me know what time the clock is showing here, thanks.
9:22
